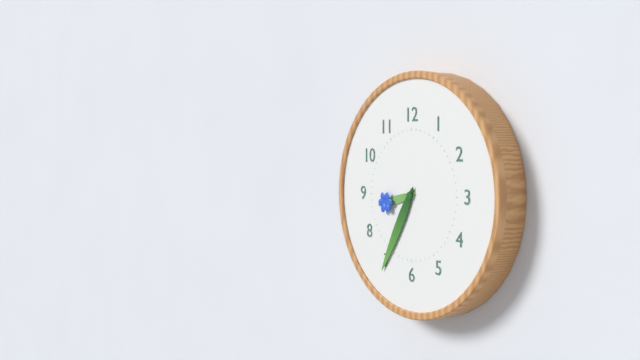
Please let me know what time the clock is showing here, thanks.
8:35
